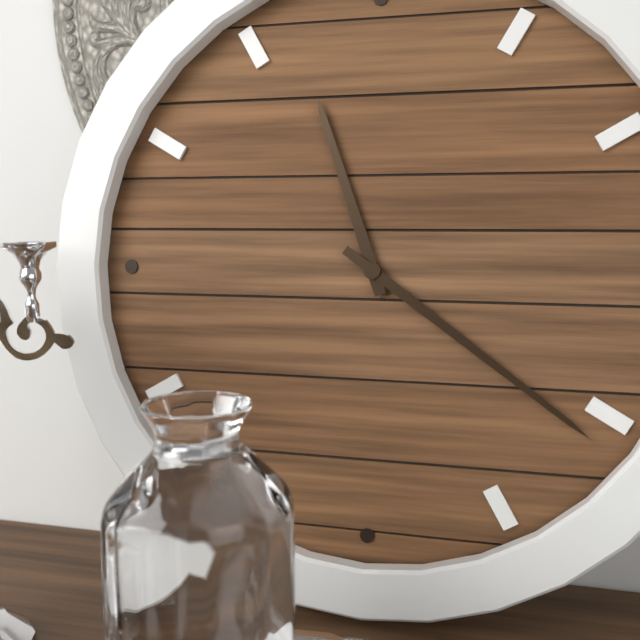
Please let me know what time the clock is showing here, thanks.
11:21
